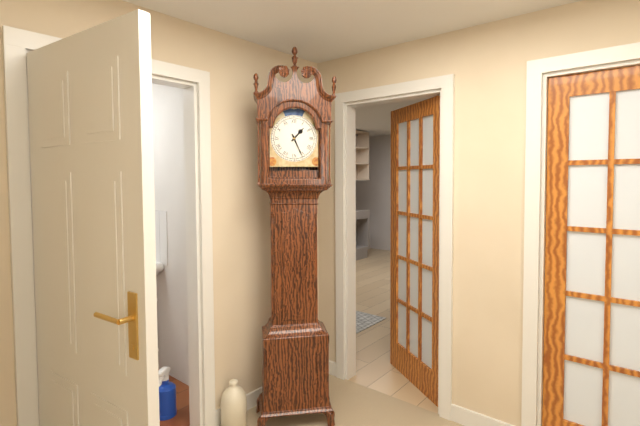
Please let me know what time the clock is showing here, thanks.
1:26
